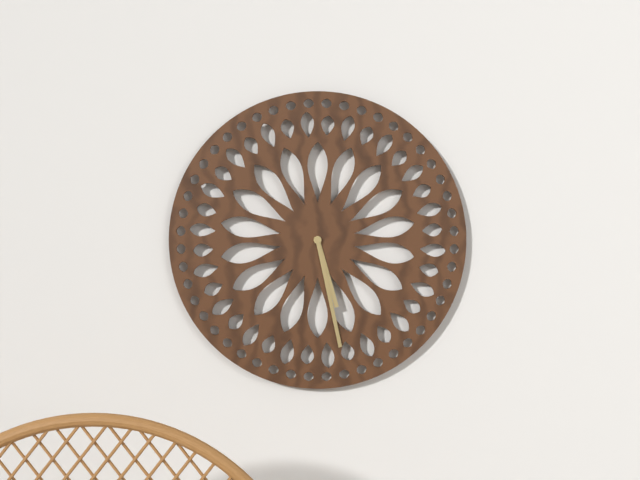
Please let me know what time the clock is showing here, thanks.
5:28
